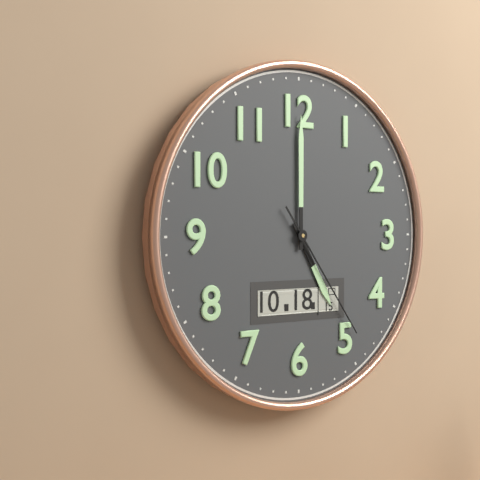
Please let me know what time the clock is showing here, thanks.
5:00:24
